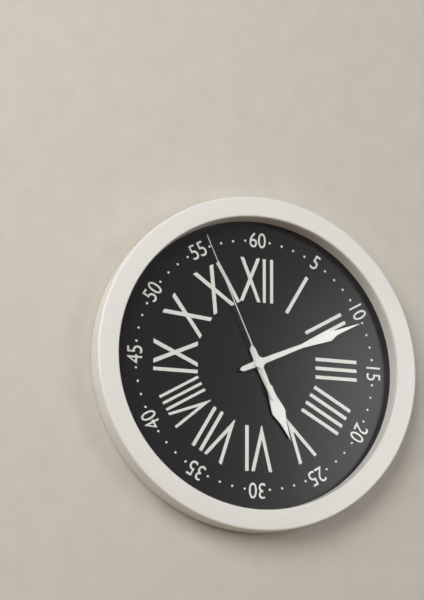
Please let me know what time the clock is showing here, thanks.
5:11:56
